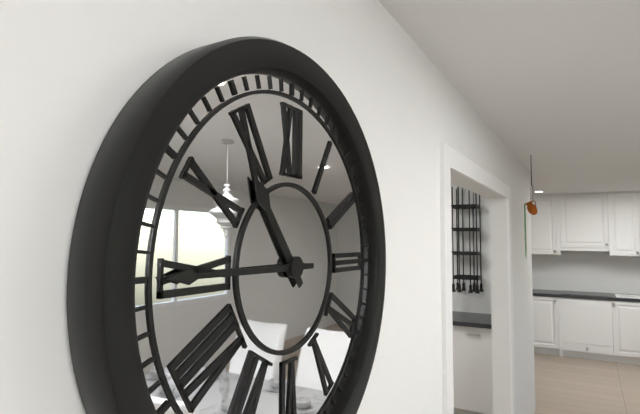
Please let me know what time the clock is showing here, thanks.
10:45
